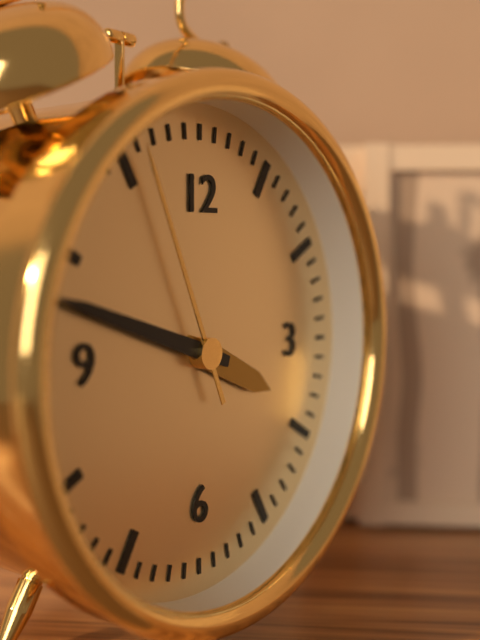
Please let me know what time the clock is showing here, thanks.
3:48:56
